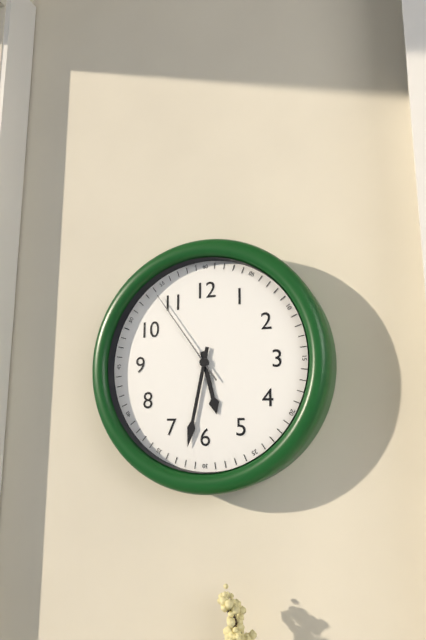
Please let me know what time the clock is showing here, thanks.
5:32:54
